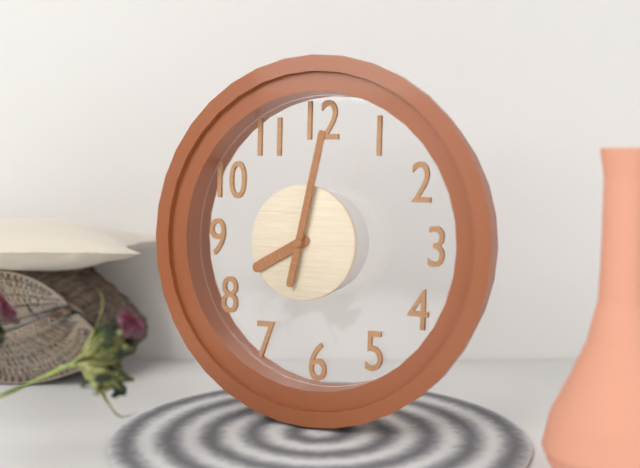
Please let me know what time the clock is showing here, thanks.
8:02
